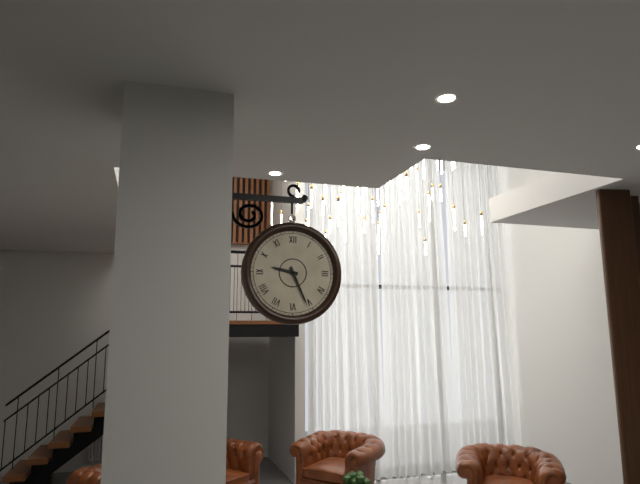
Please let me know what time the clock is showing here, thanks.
9:26
